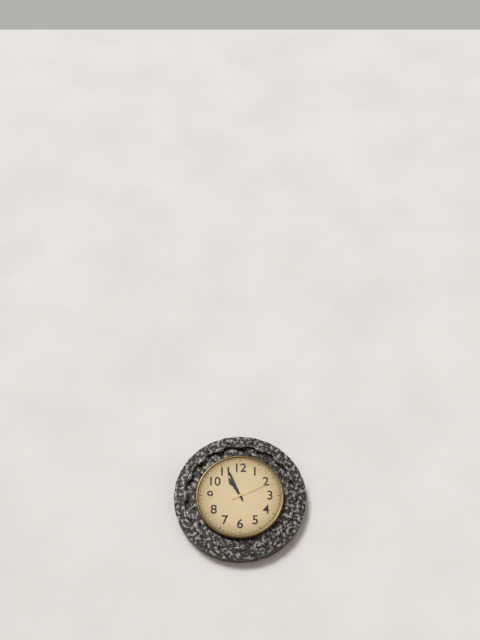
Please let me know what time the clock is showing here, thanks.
10:56
